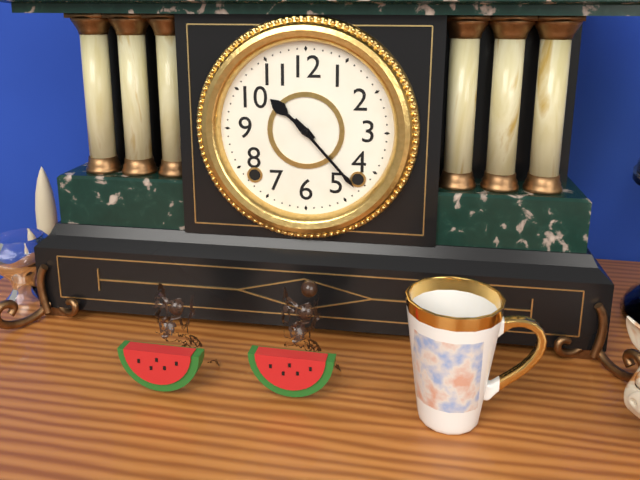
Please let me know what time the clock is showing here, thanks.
10:23
